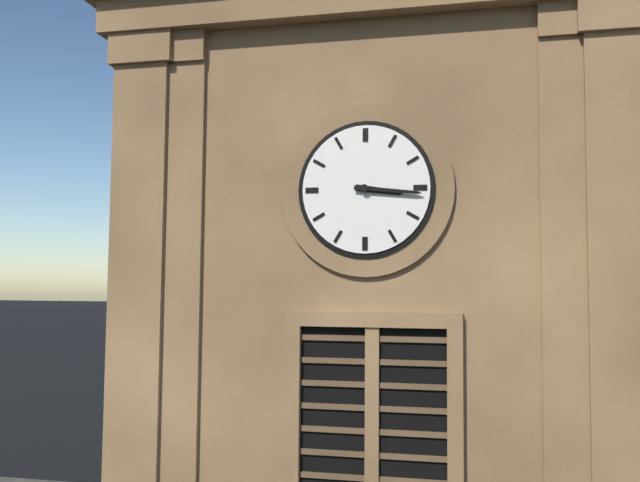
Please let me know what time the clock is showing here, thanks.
3:16
